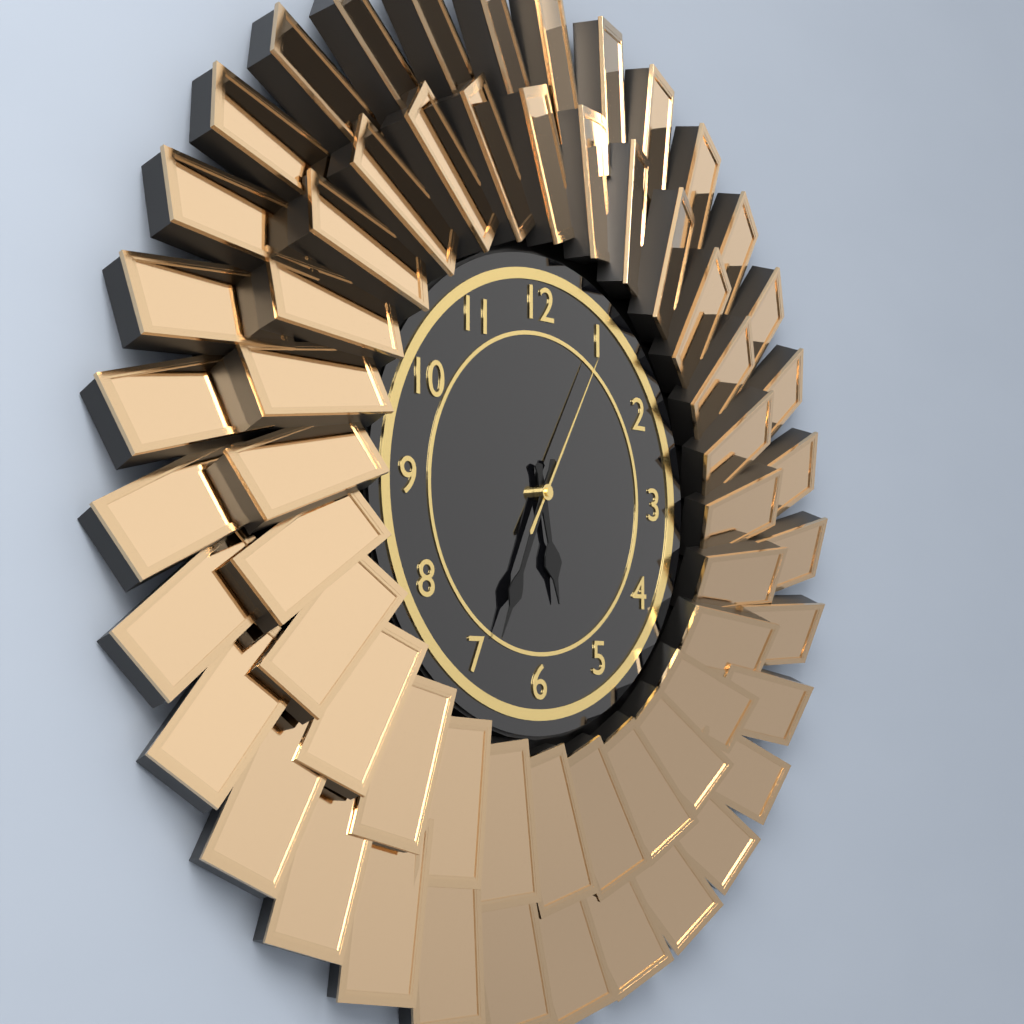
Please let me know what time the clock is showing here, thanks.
5:34:05
